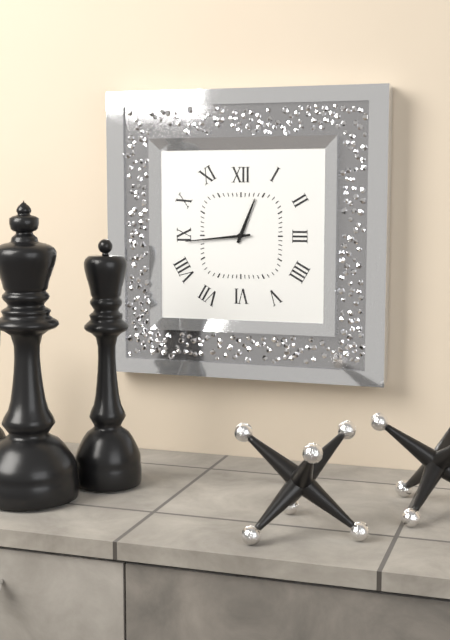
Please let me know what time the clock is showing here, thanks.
12:44
